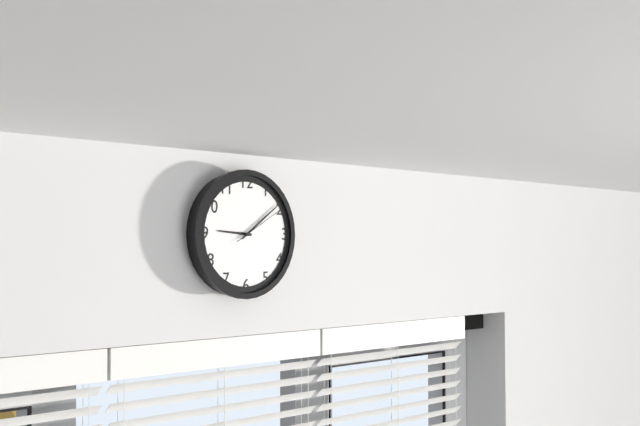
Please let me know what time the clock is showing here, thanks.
9:09:10
